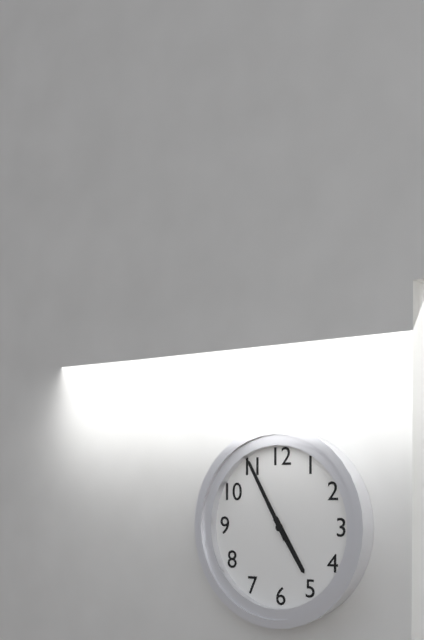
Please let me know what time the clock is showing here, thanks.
4:55
